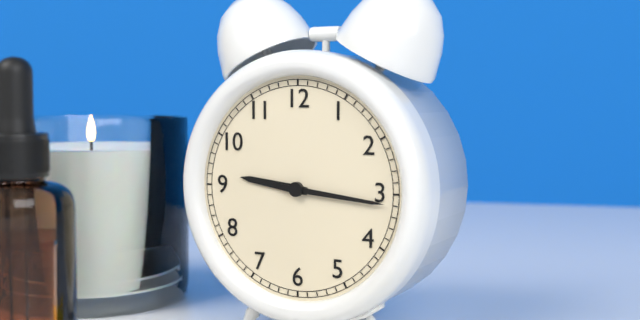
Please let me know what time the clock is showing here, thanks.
9:16
